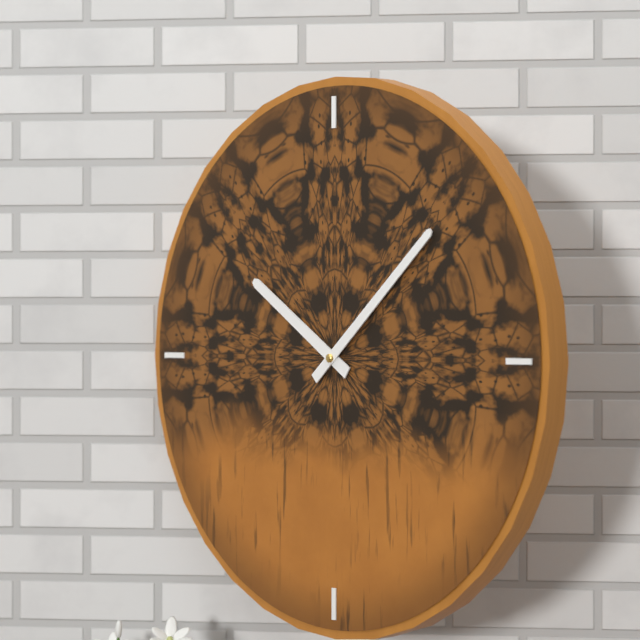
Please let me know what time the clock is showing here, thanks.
10:08
